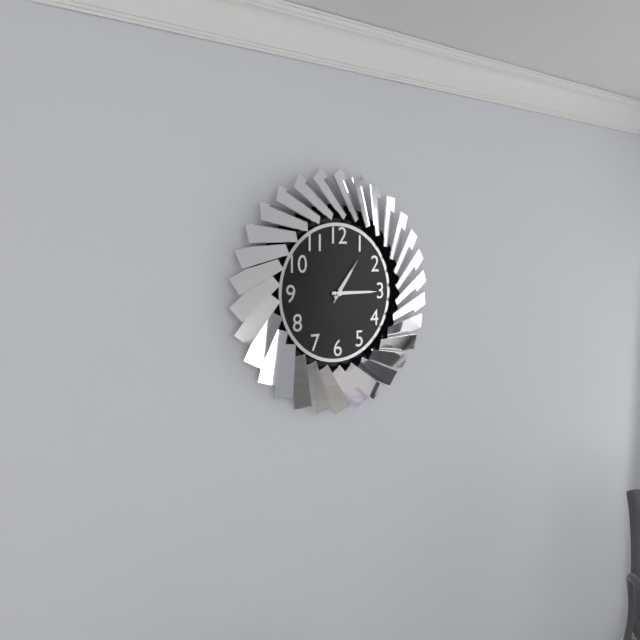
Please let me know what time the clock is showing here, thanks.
1:15:06
